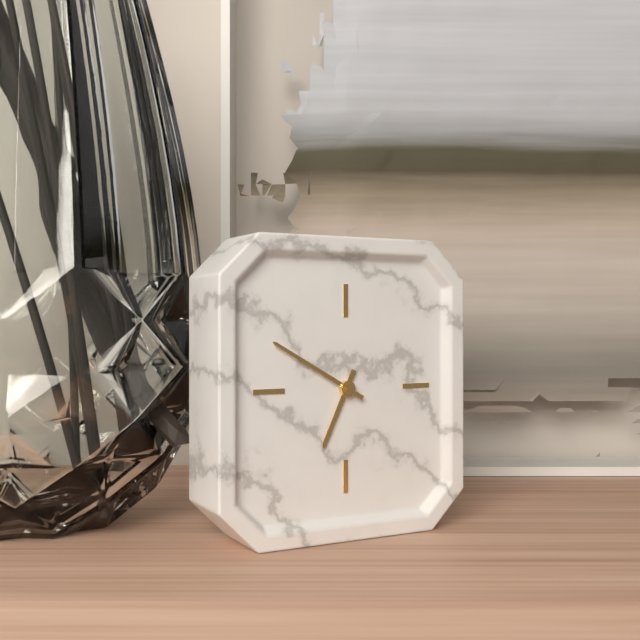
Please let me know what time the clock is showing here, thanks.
6:50
